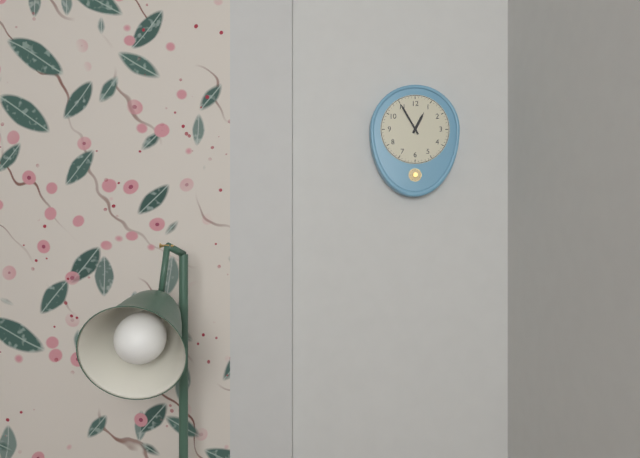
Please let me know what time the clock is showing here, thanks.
12:55
